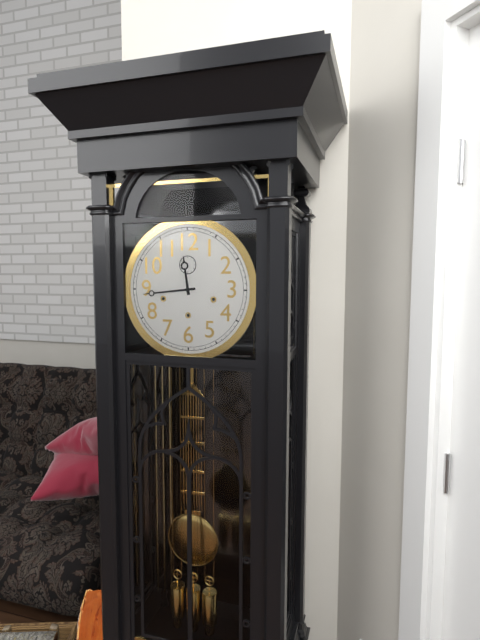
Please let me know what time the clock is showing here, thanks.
11:44
